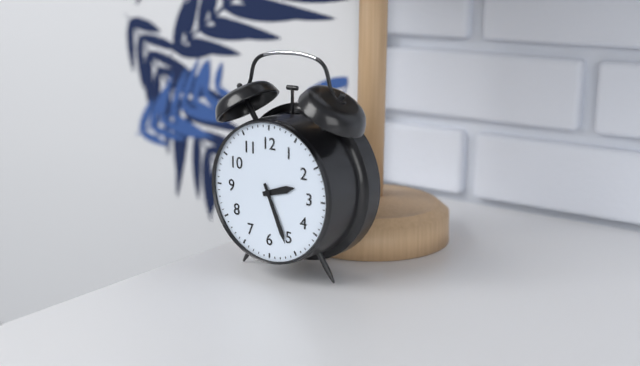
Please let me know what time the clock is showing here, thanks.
2:26
